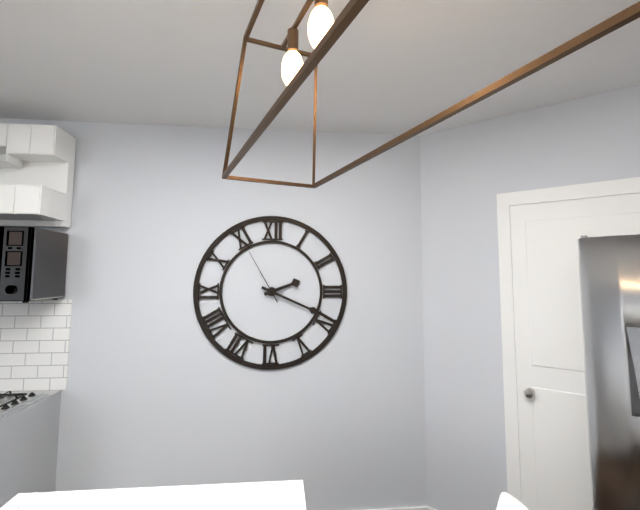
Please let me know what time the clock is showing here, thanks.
2:19:55
